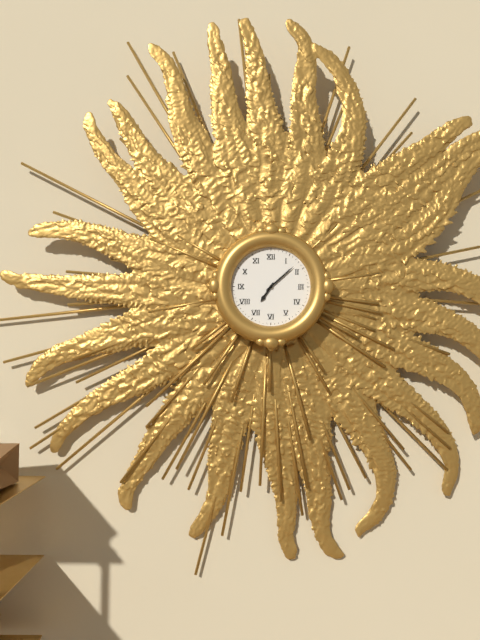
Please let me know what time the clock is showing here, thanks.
7:08
